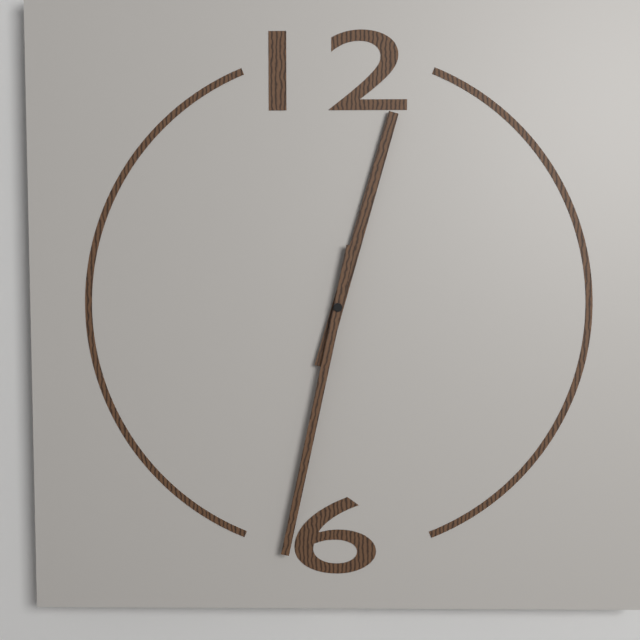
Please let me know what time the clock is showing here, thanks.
12:32
